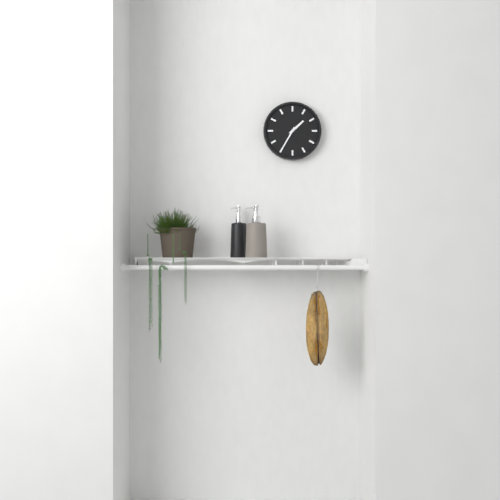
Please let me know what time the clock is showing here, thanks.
1:35
